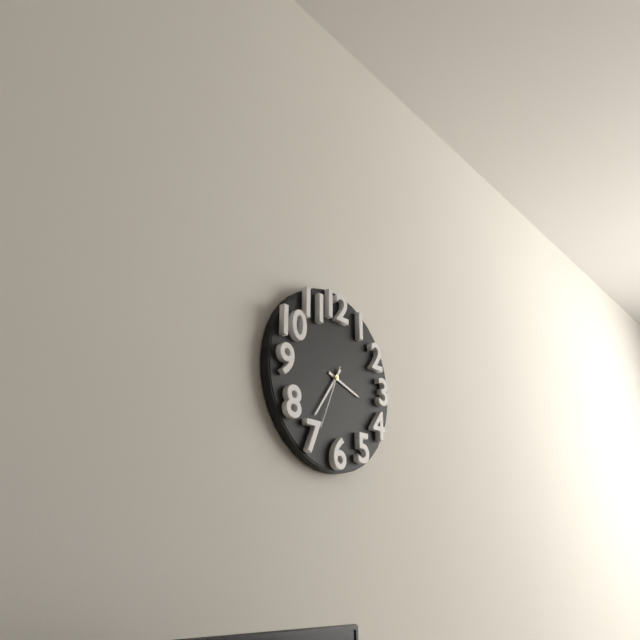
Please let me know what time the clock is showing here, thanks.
3:36:34
